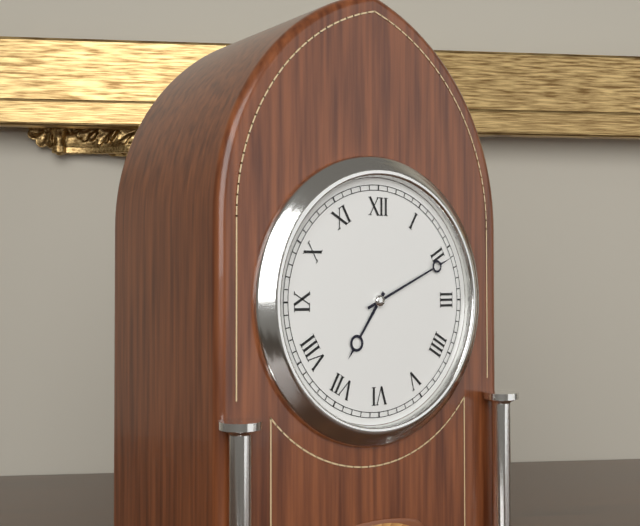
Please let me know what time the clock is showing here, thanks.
7:11
